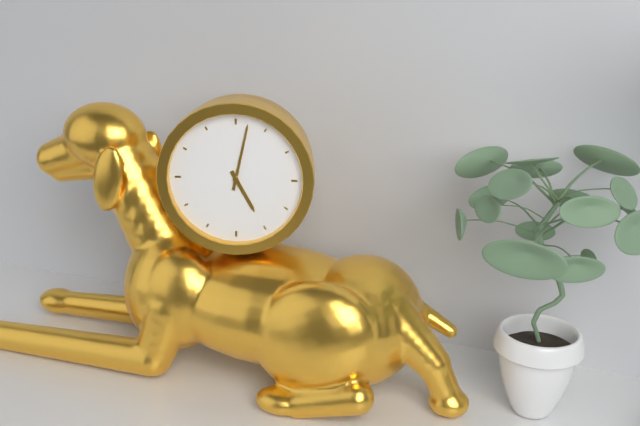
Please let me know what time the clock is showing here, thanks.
5:02
